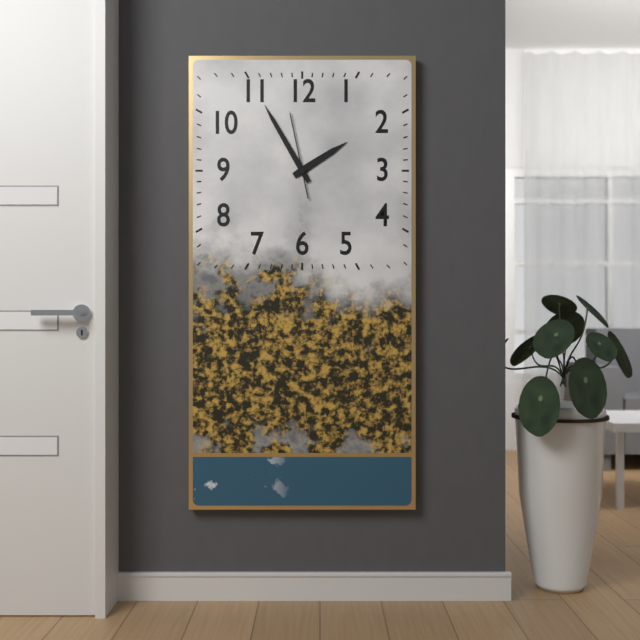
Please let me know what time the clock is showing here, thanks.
1:55:58
